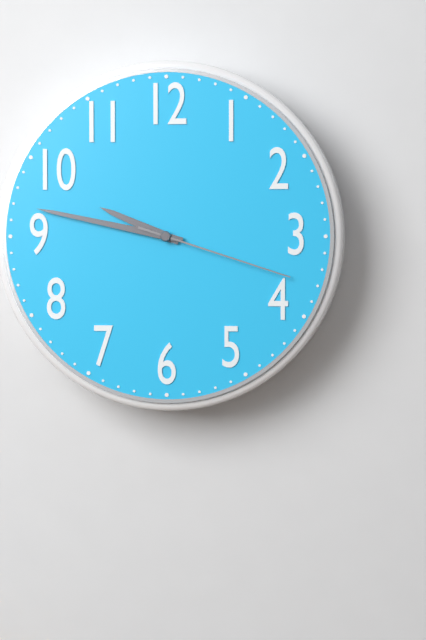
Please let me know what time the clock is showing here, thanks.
9:47:18
